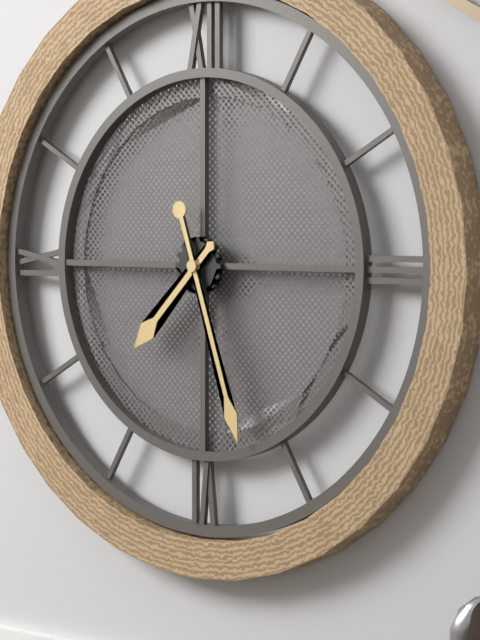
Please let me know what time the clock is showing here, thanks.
7:27
